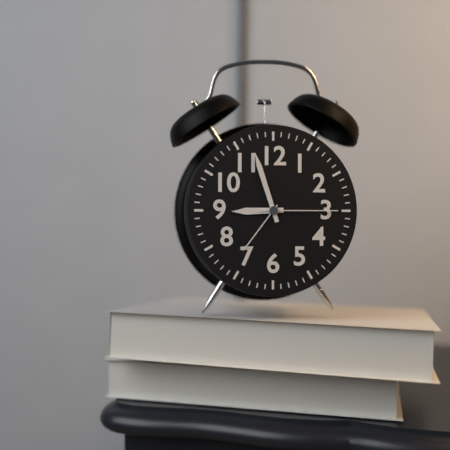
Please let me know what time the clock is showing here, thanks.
8:57:15
